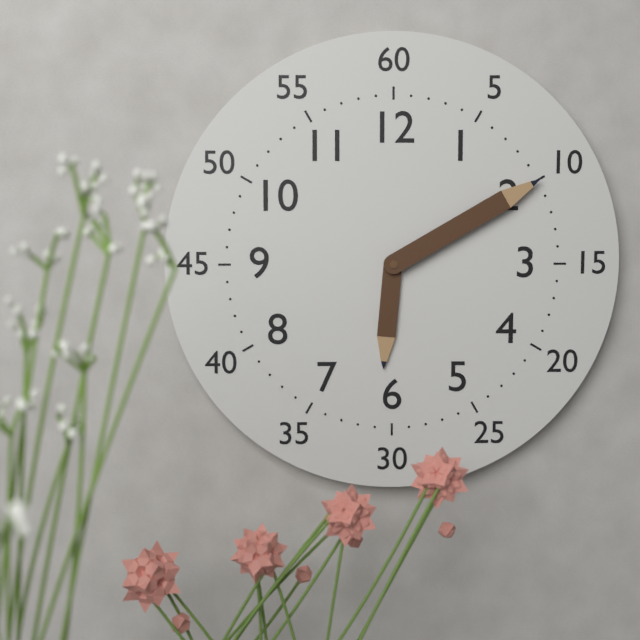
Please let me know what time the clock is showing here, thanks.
6:10
